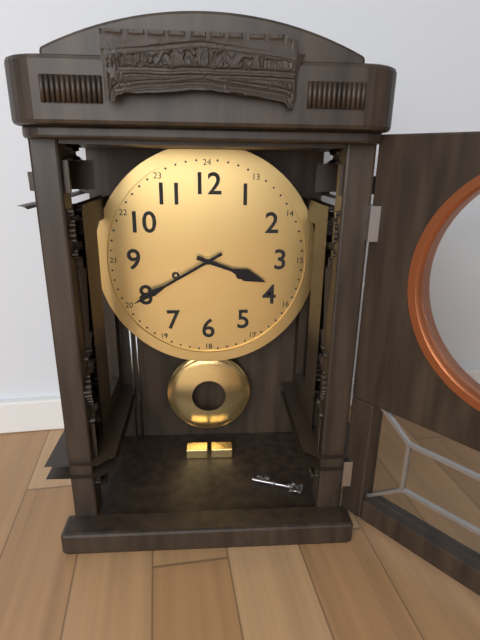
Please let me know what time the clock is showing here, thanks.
3:40
